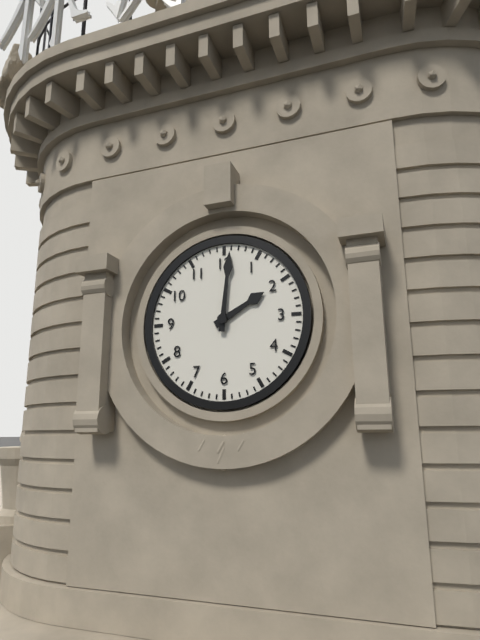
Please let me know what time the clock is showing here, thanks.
2:01
